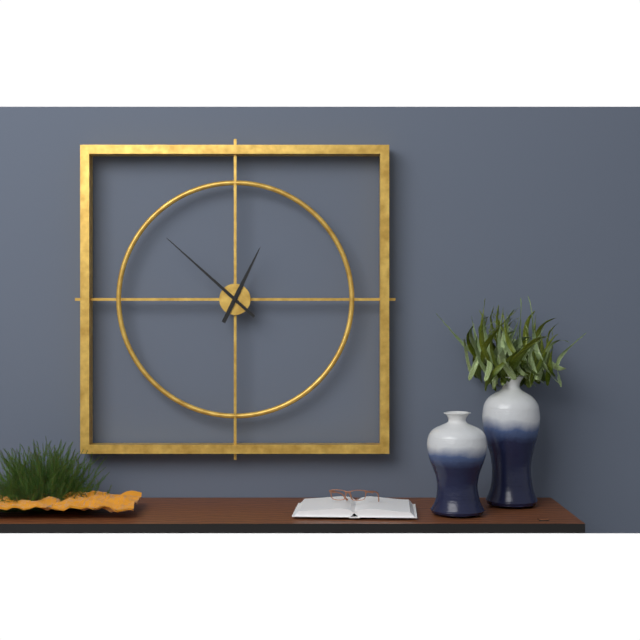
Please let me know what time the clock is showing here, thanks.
12:52
